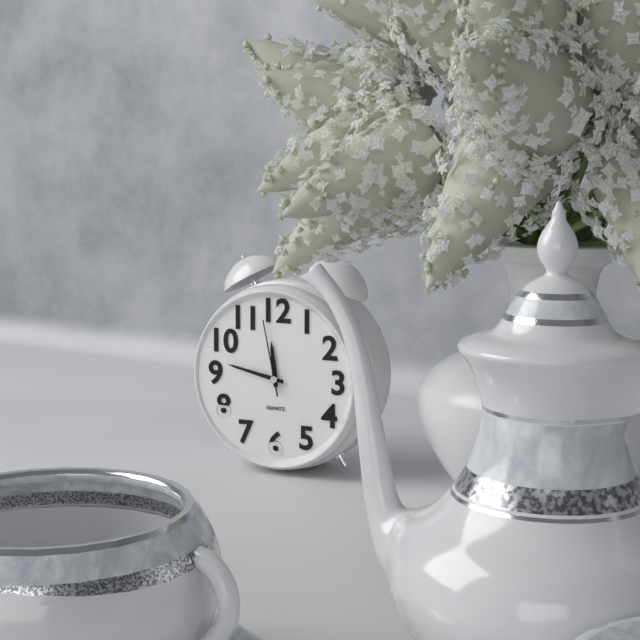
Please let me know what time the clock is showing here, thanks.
11:47:58
